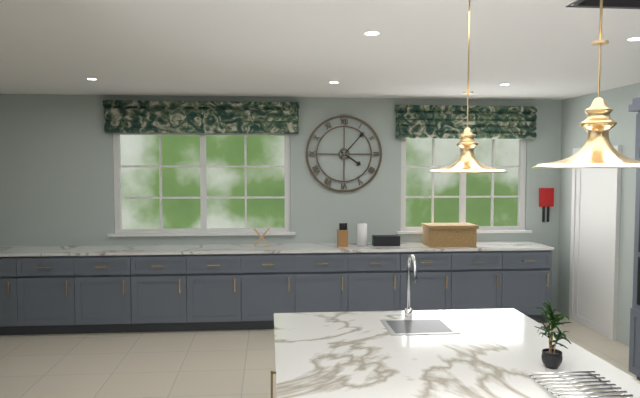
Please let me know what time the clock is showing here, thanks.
4:07
